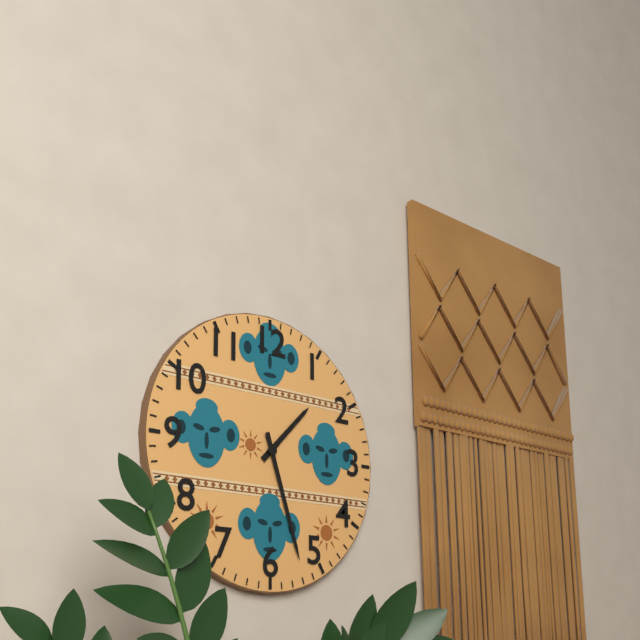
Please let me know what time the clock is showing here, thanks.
1:27
